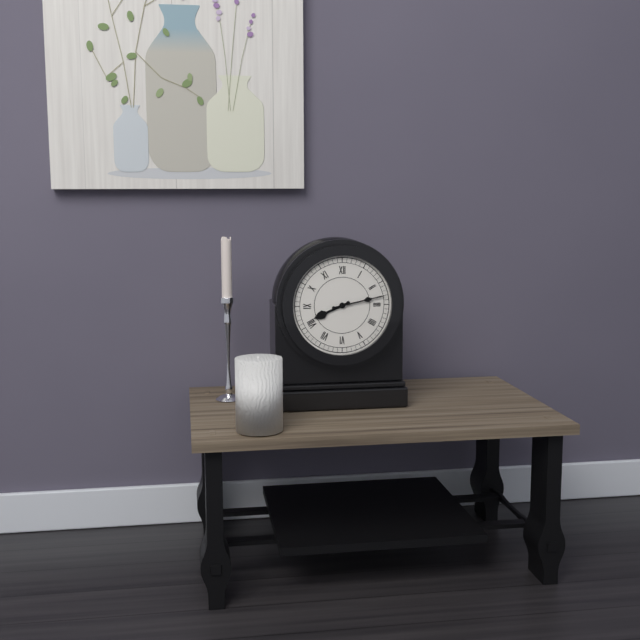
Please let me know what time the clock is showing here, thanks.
8:13
